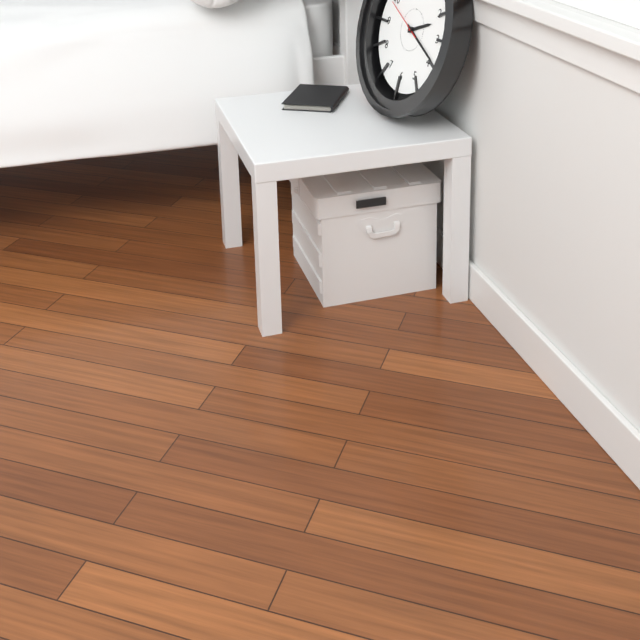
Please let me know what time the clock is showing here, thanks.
2:19
